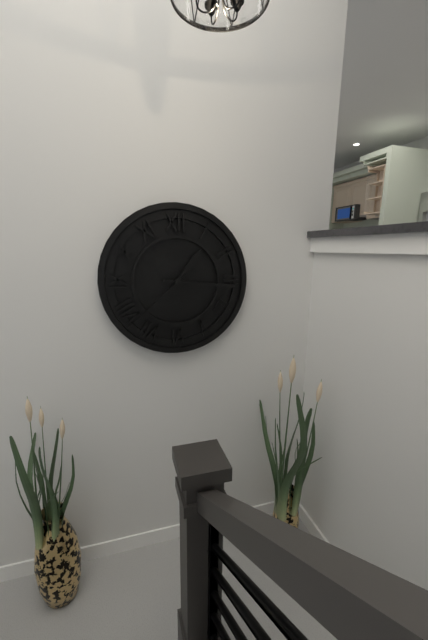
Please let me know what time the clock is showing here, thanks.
1:16:38
